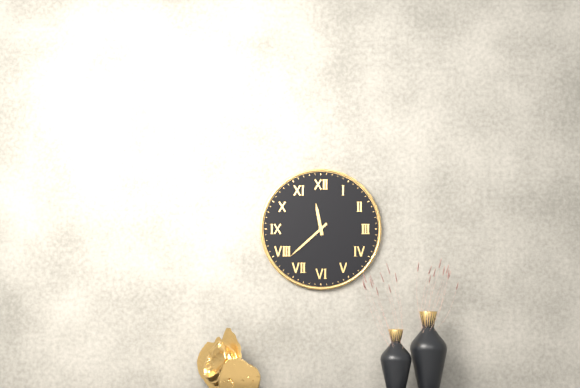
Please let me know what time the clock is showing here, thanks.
11:38
